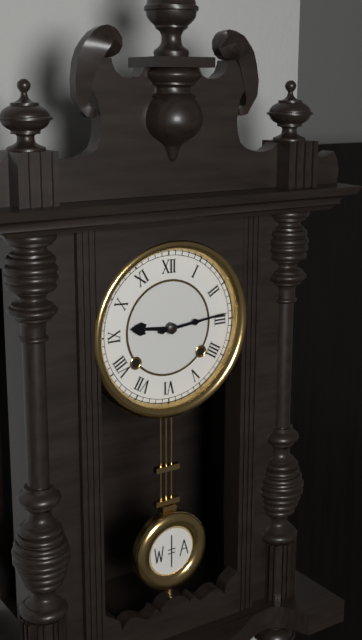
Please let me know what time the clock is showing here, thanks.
9:14
